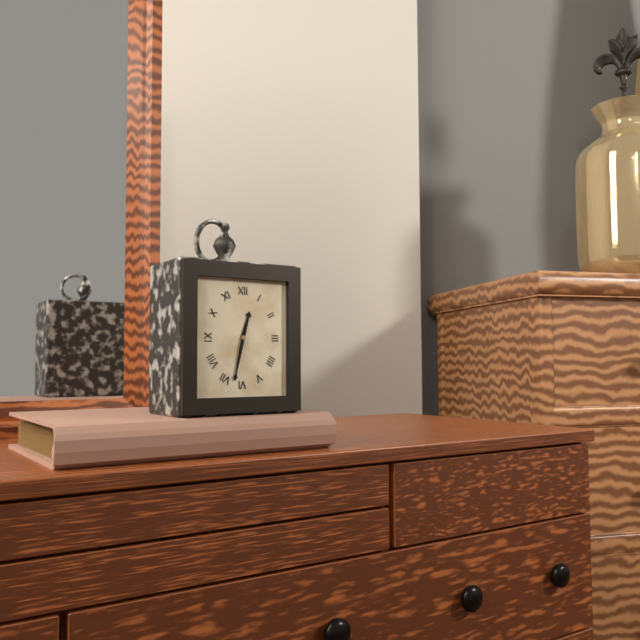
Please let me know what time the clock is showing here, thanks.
12:32
